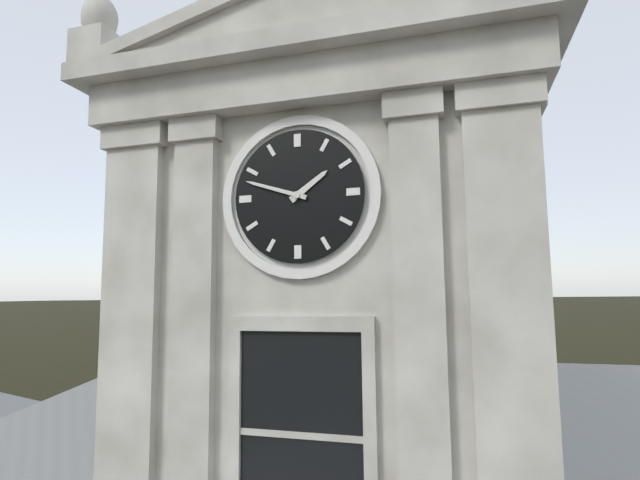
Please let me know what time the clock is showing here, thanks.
1:48
